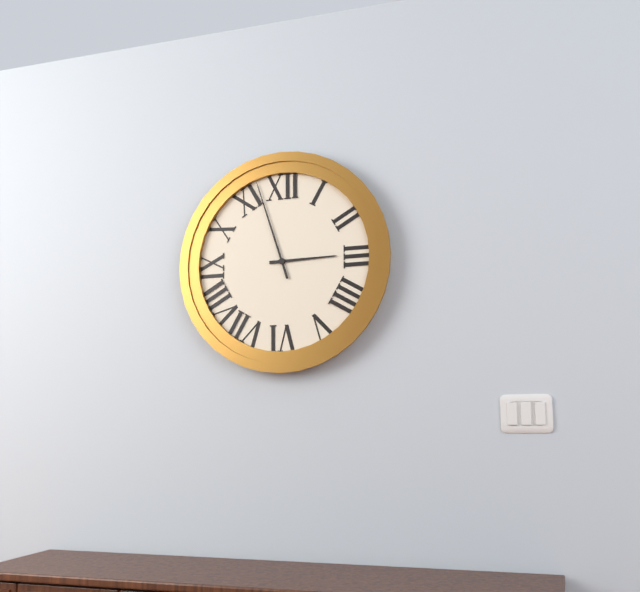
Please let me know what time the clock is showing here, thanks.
2:57
